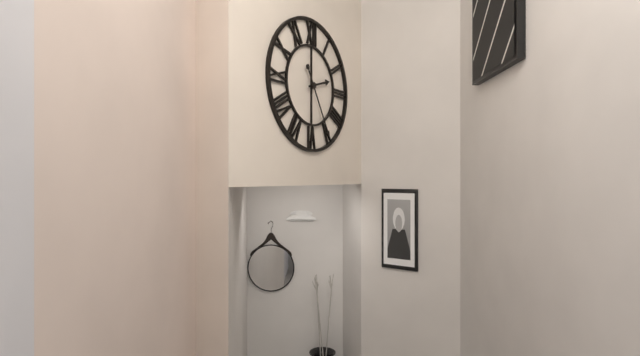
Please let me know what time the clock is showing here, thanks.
2:25
